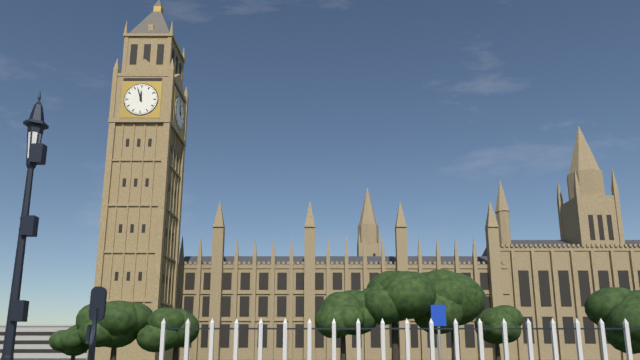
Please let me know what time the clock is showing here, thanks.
11:57
